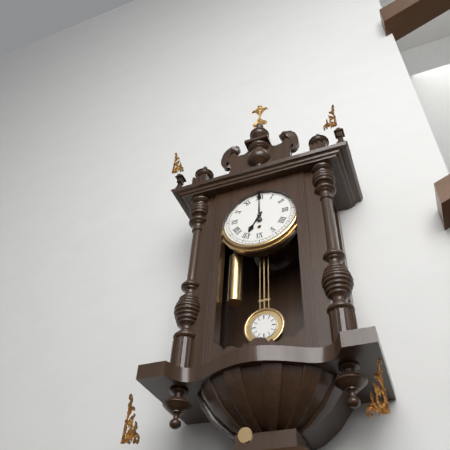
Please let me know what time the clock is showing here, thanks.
7:00
